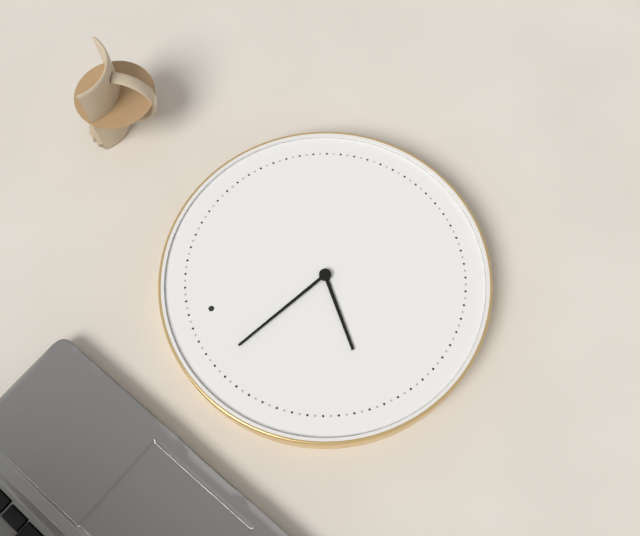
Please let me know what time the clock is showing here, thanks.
8:56
